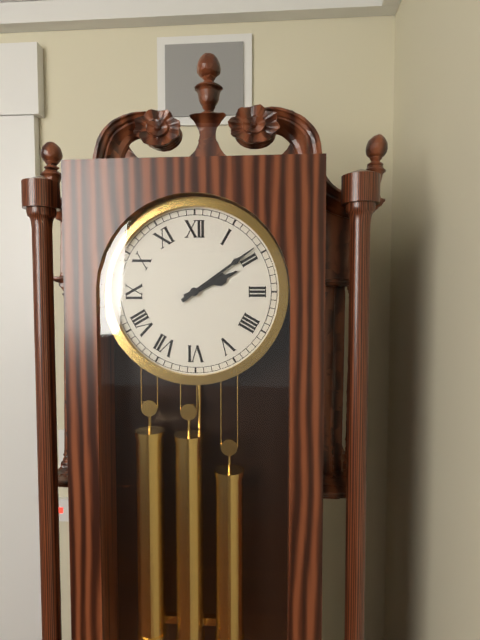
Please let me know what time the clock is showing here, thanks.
2:09
